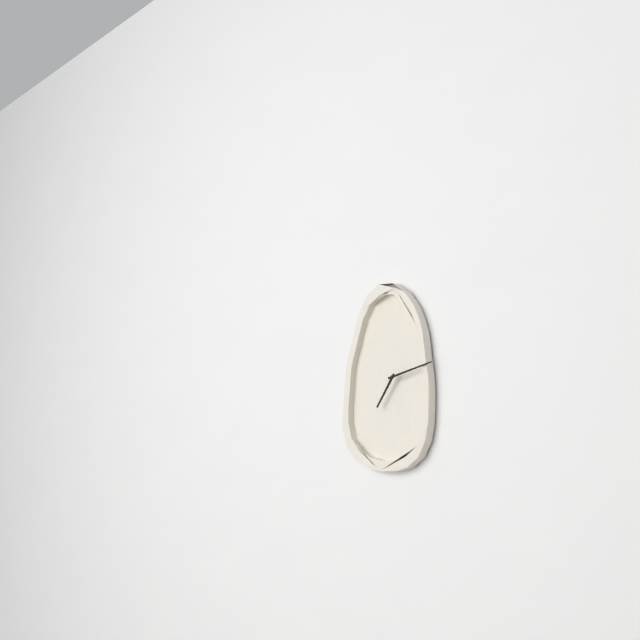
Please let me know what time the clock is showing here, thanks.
7:13
